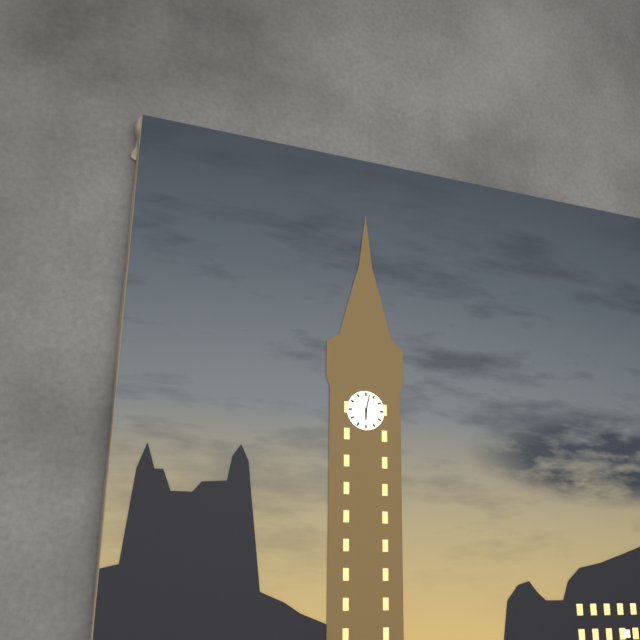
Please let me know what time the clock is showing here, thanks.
6:02
